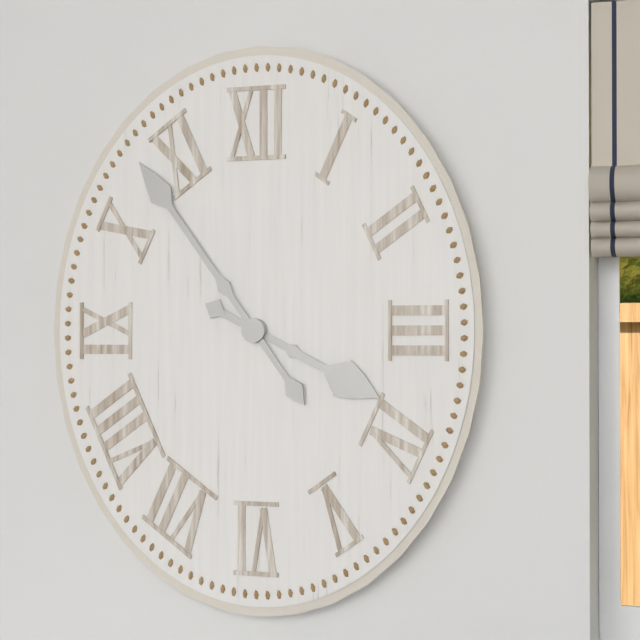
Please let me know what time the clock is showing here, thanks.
3:54
